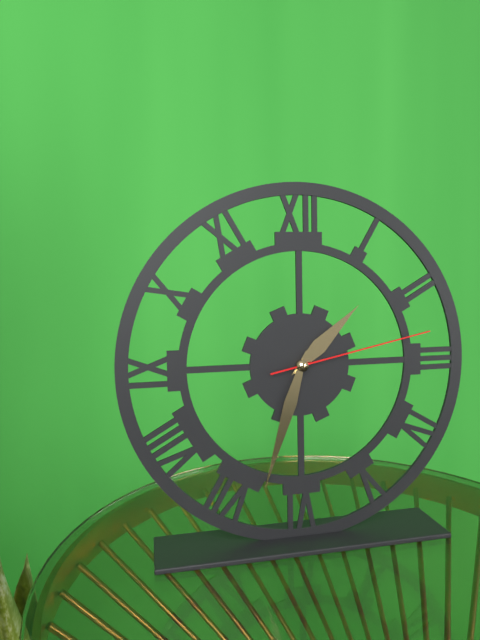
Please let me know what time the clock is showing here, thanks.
1:33:13
